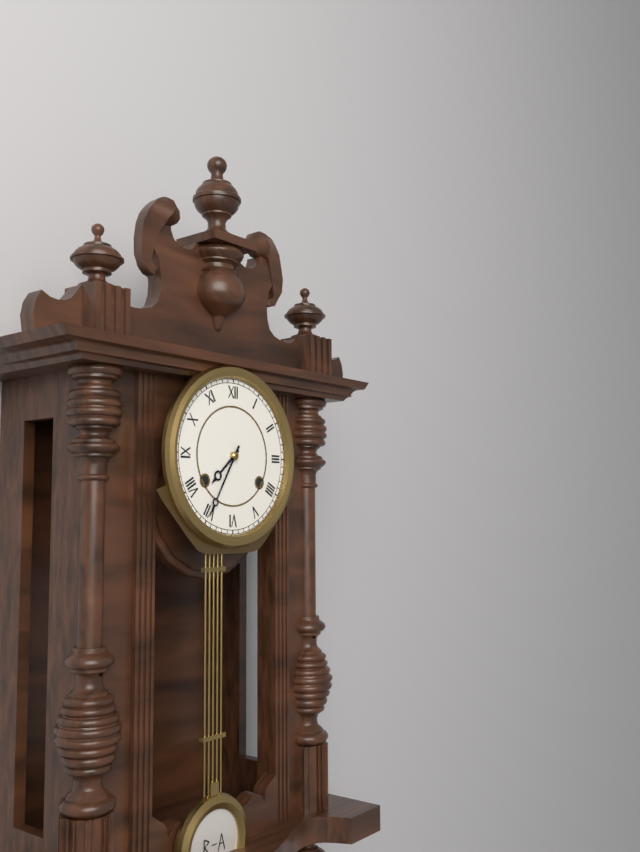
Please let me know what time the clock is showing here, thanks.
7:35
